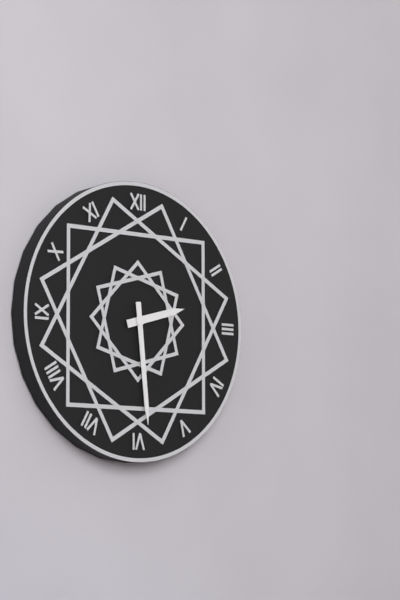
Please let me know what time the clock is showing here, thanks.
2:29
